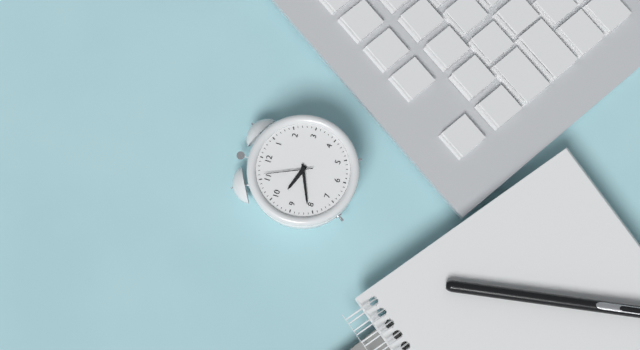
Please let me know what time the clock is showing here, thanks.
9:41
